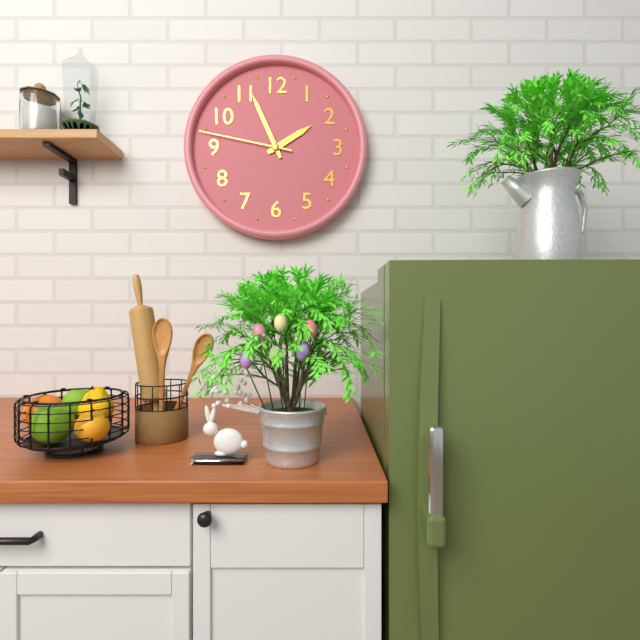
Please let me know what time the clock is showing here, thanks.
1:56:47
